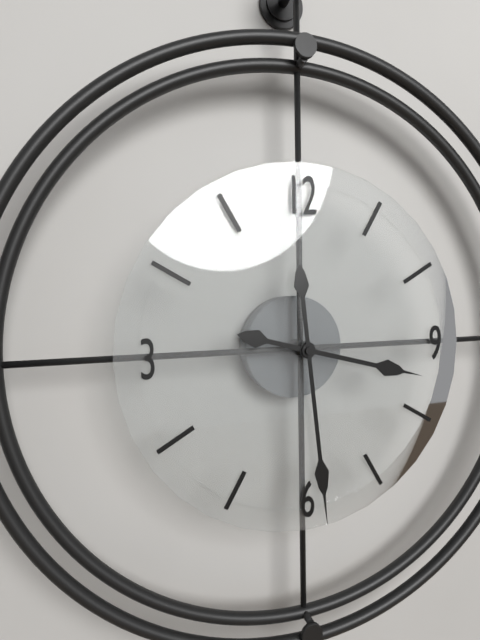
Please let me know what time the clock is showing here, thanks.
3:29
